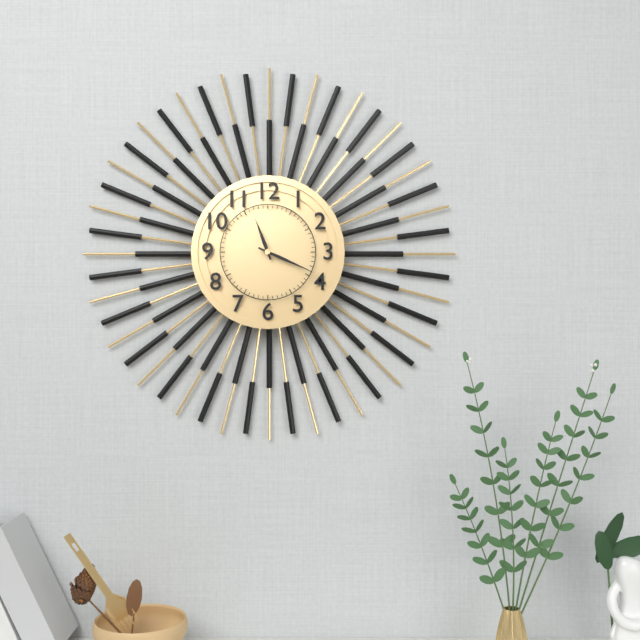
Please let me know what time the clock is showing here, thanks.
11:19
